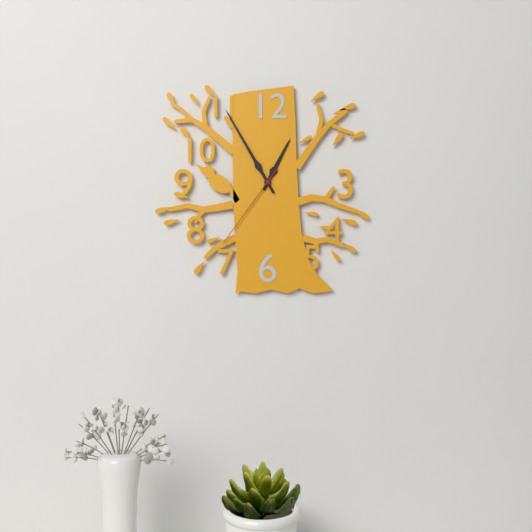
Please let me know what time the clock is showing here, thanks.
12:55:36
